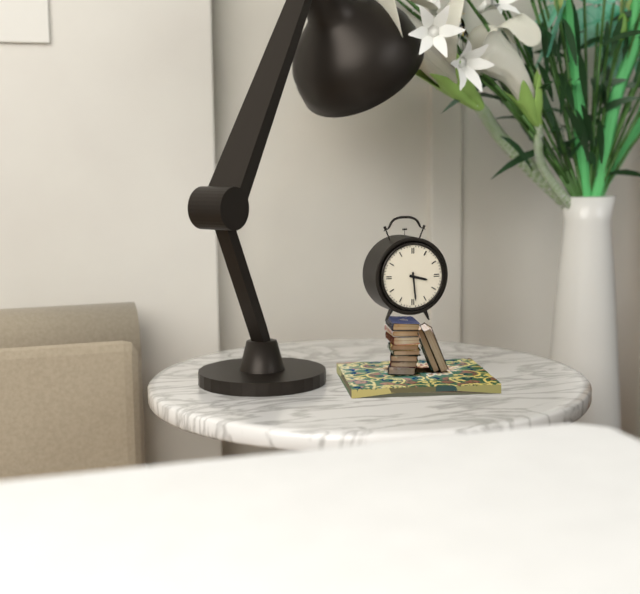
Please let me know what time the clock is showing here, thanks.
3:29
